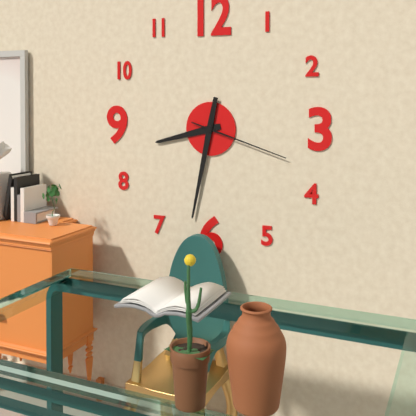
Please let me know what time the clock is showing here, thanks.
8:32:18
